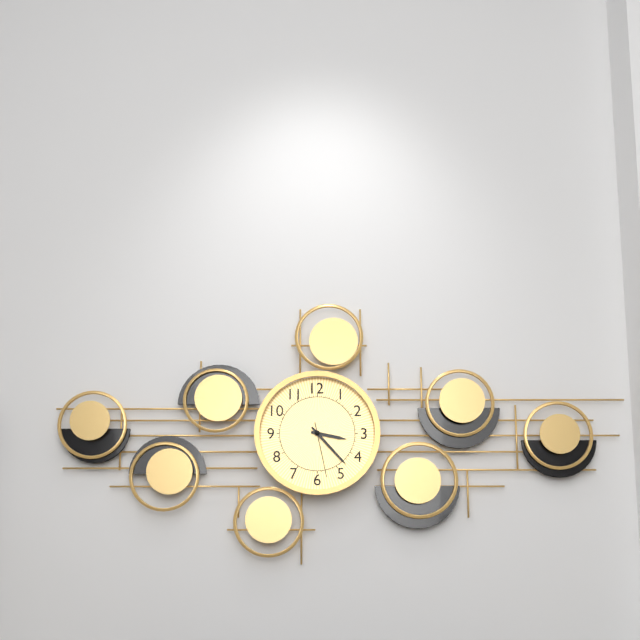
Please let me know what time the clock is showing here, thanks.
3:23:28
